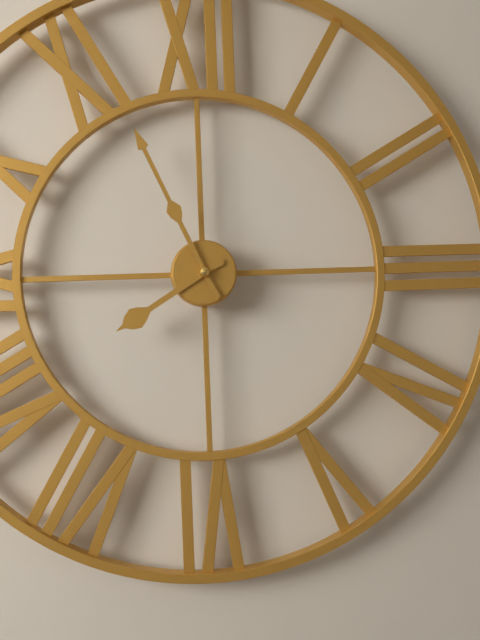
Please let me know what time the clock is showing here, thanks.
7:56
